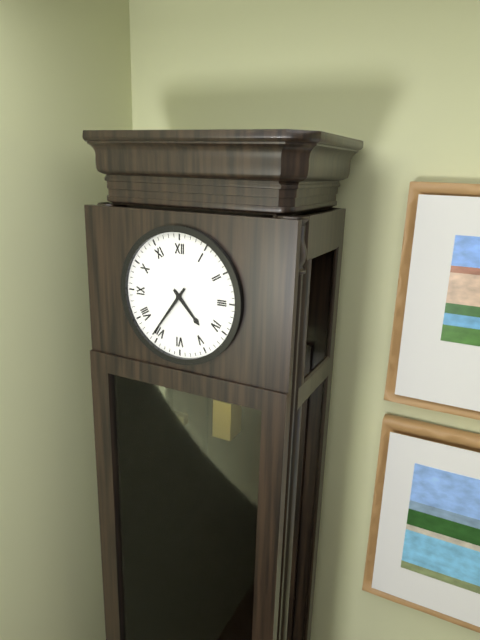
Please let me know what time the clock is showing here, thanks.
4:36
